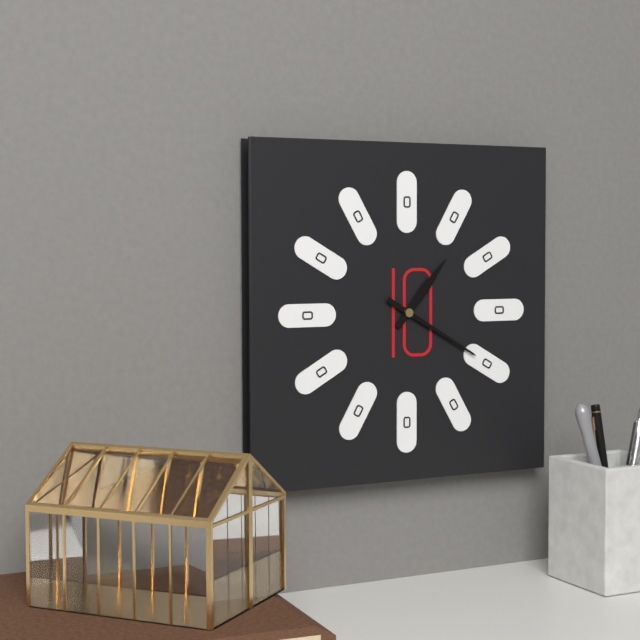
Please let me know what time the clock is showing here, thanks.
1:20
